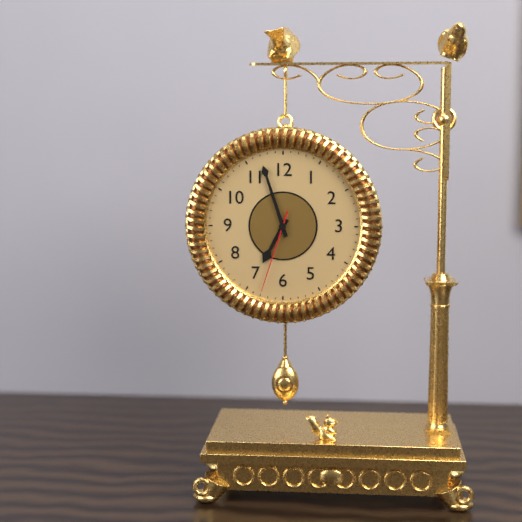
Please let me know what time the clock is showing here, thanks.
6:57:33
